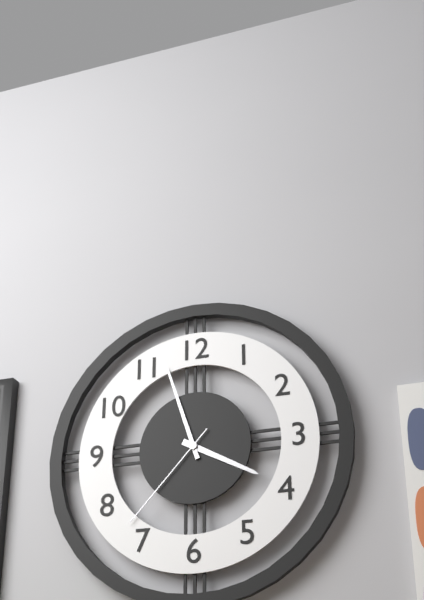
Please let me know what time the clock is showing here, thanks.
3:57:37
